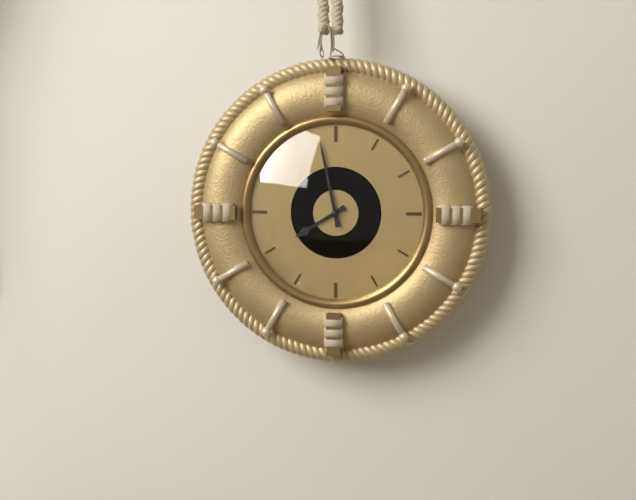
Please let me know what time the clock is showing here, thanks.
7:58
